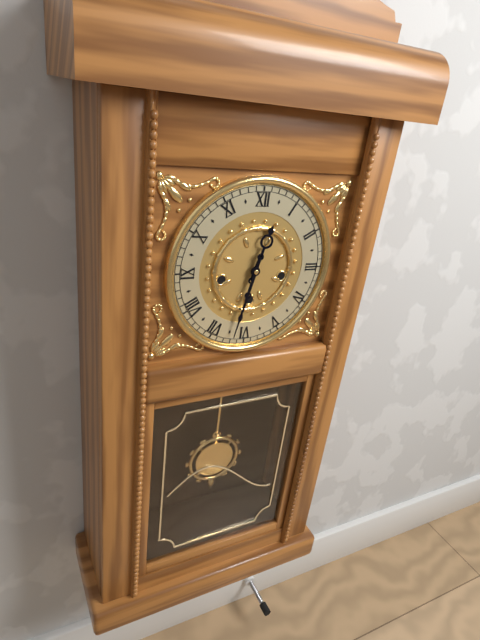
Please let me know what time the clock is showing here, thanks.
12:32
